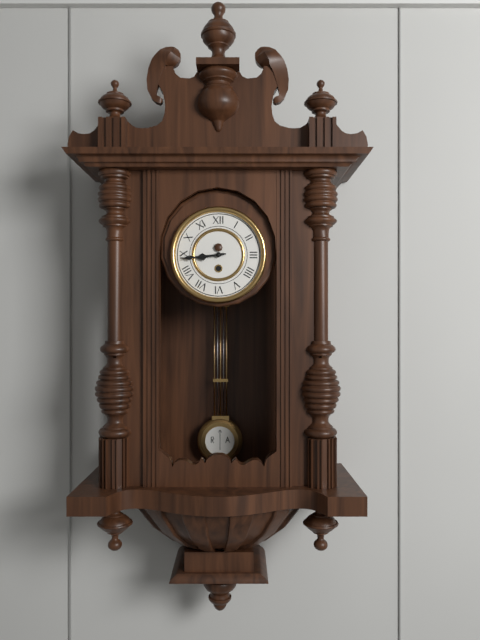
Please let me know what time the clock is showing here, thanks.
8:44
